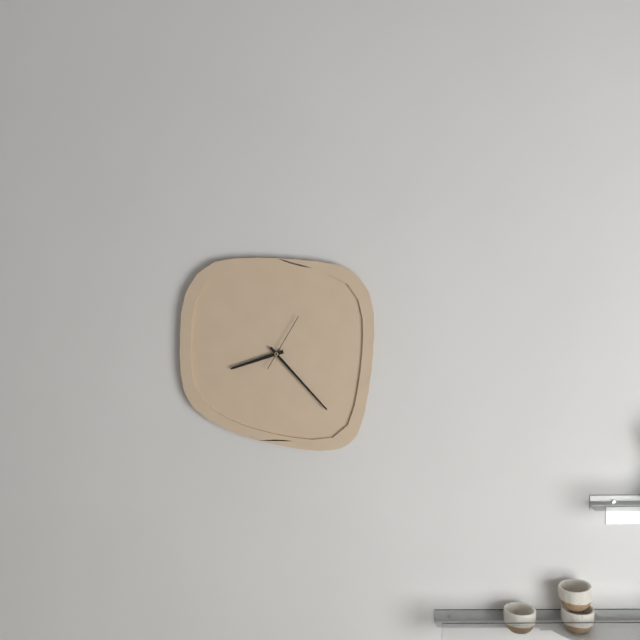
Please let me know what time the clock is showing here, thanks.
8:23:05
